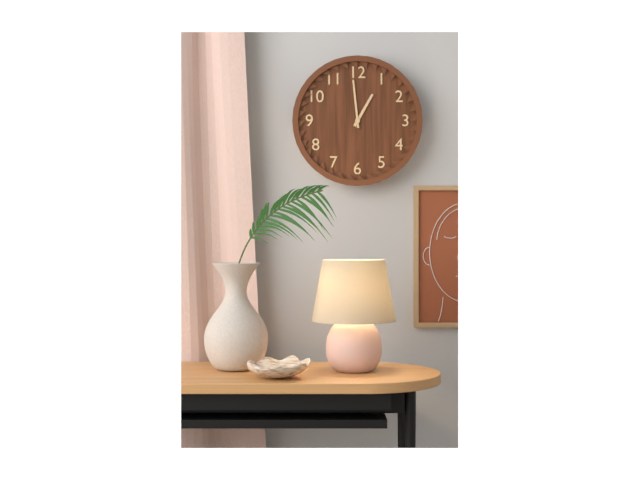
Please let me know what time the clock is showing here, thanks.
12:59
